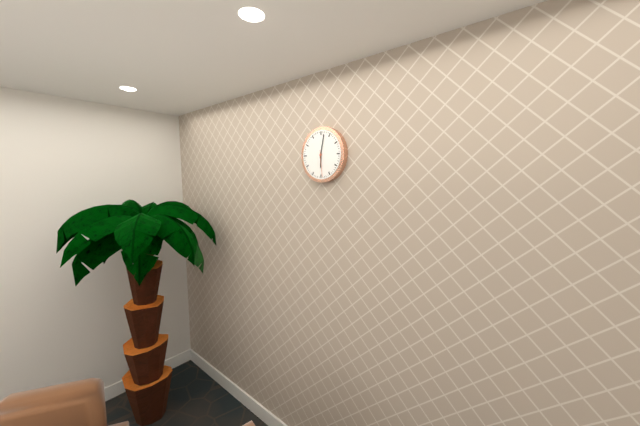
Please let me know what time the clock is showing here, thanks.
6:02
